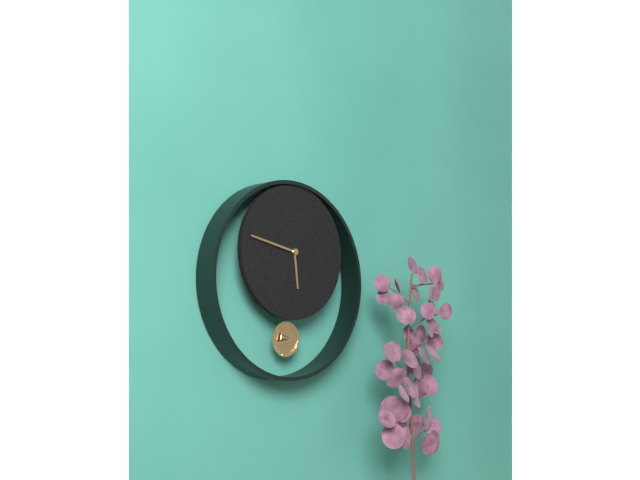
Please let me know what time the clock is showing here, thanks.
5:47
